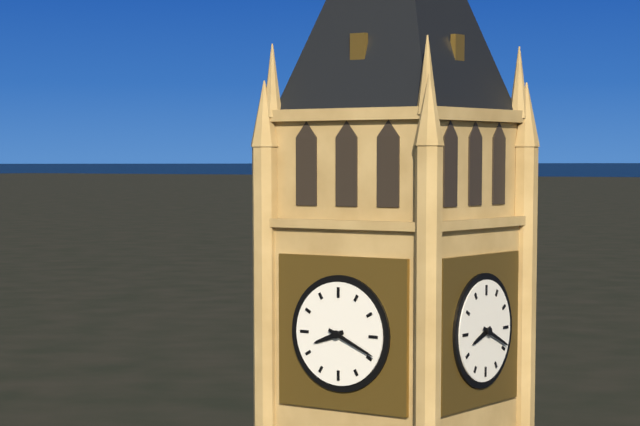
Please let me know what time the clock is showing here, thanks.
8:19
